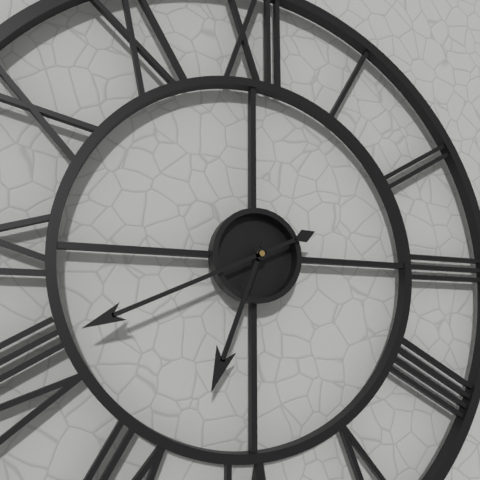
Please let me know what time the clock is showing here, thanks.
6:41
